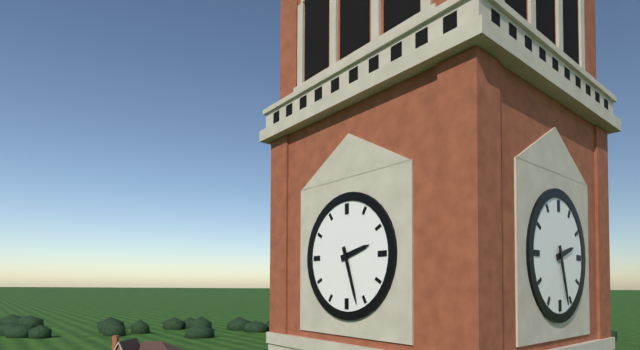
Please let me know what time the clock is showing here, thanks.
2:27
